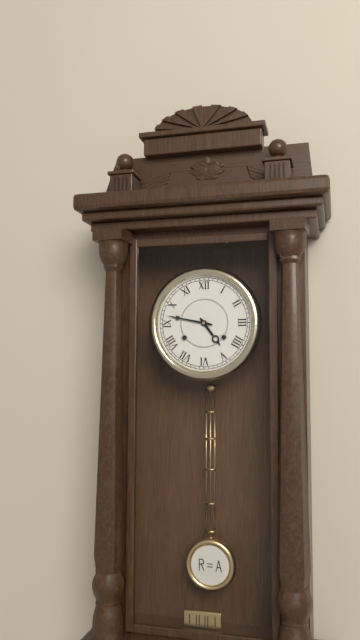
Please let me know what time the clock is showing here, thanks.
4:47
